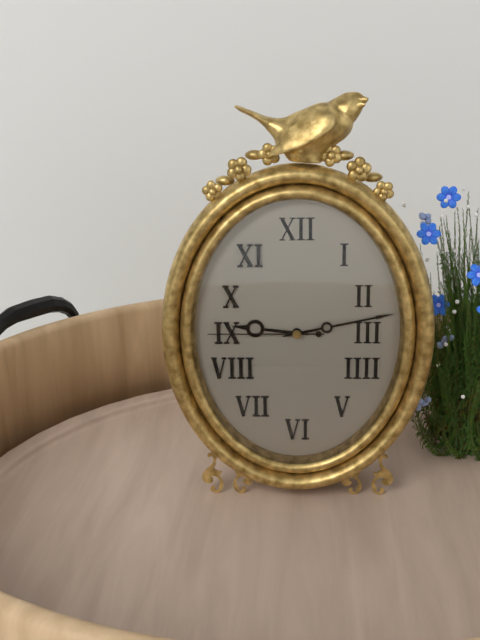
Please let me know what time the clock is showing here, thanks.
9:13:45
